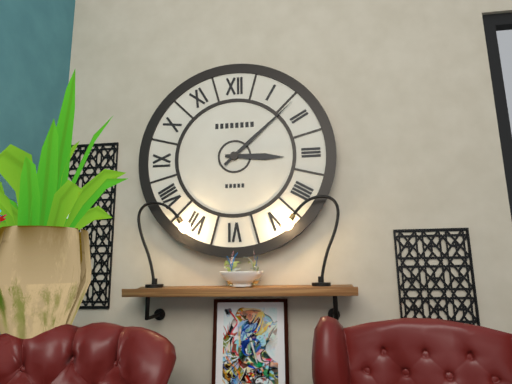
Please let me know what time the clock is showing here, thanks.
3:08
